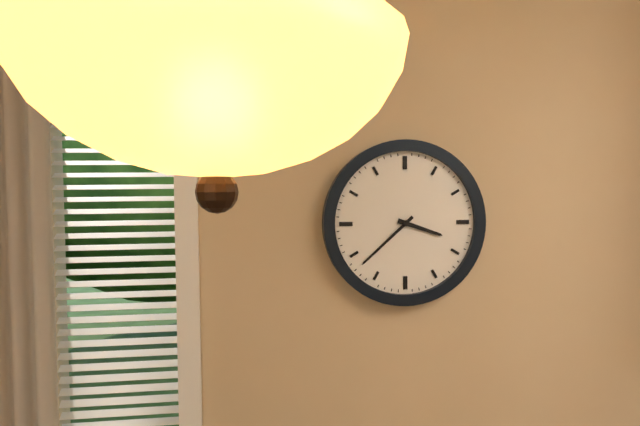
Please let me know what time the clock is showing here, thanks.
3:38
